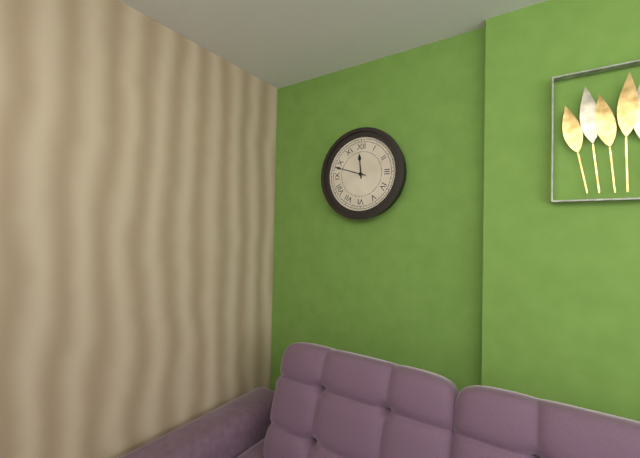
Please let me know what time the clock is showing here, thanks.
11:48
